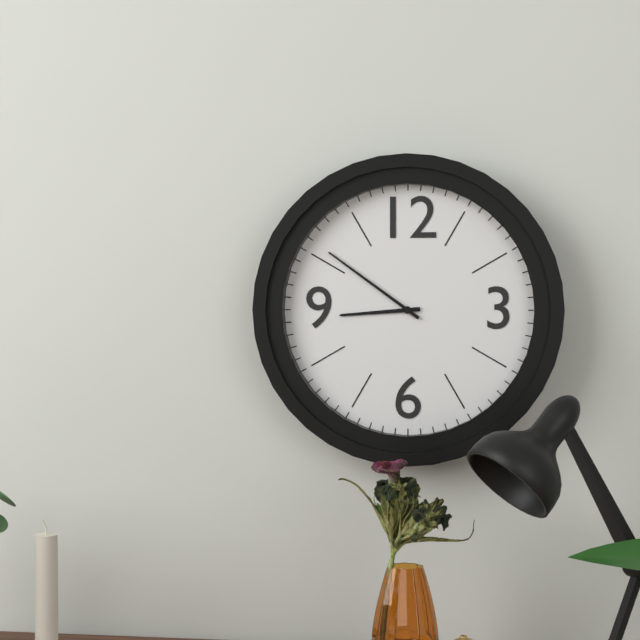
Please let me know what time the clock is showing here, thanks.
8:51
